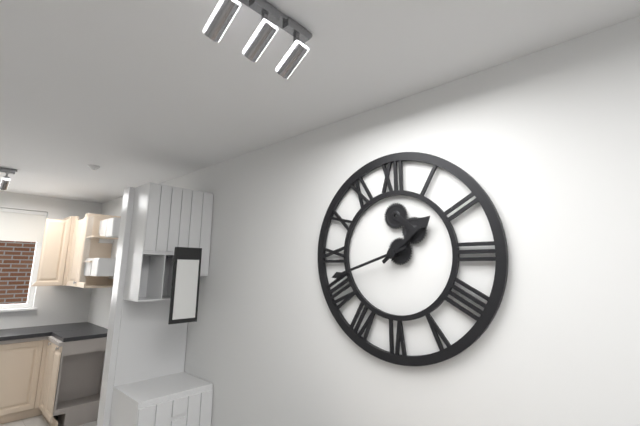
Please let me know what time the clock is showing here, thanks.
1:42
